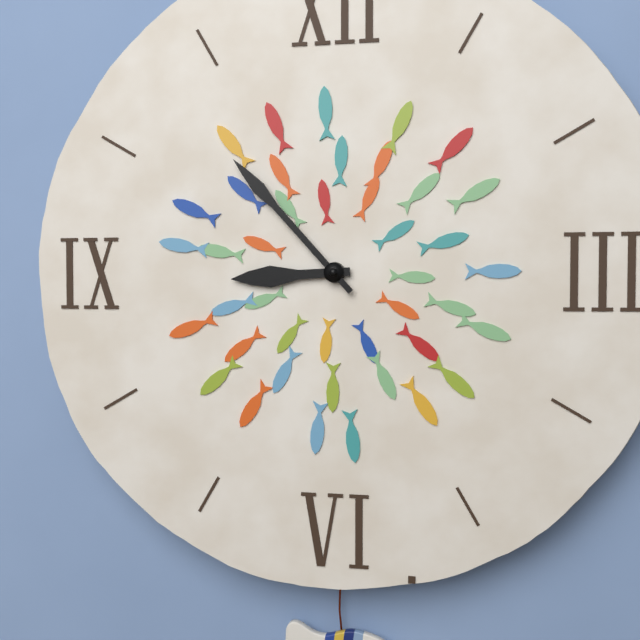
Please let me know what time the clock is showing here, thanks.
8:53
